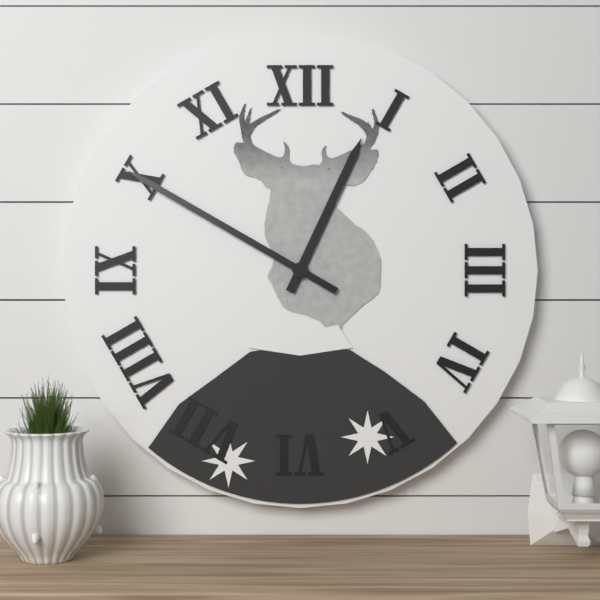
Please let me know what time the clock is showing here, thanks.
12:50
